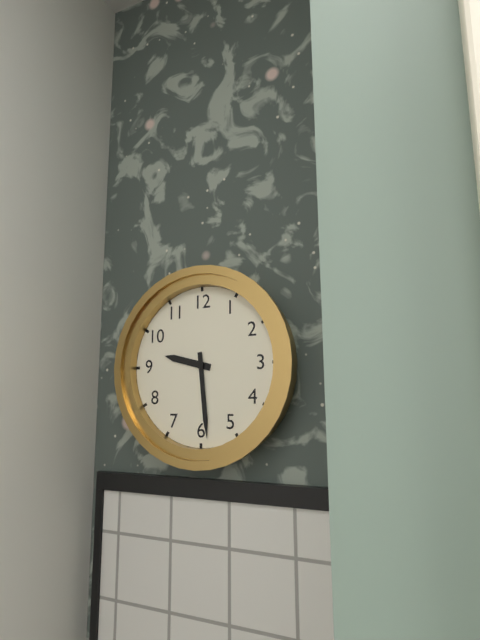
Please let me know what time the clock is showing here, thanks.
9:29
